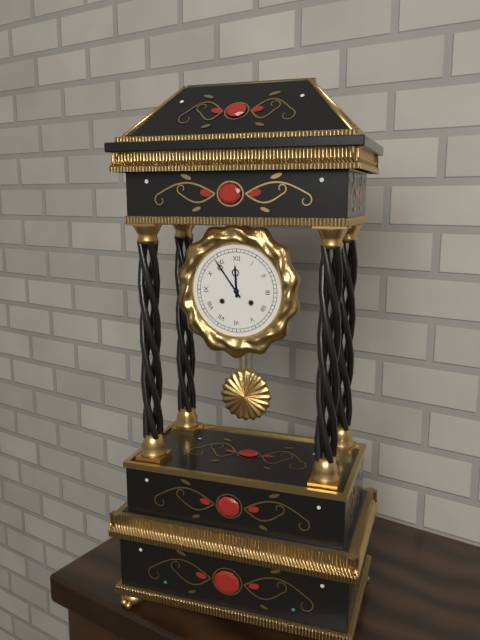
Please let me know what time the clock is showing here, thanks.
11:54
